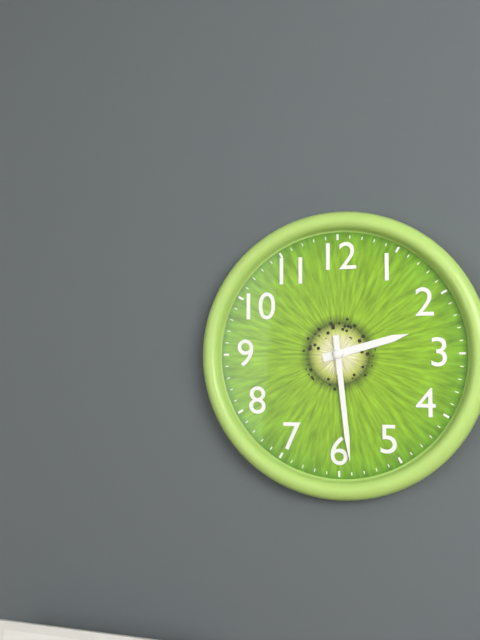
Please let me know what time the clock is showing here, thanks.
2:29
